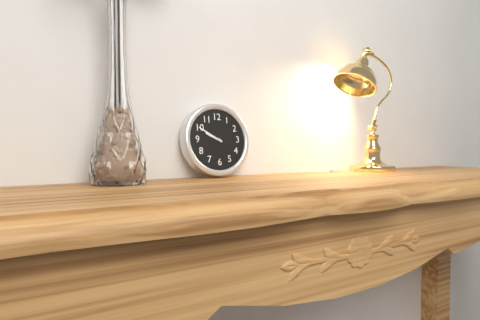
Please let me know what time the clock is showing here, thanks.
9:50
